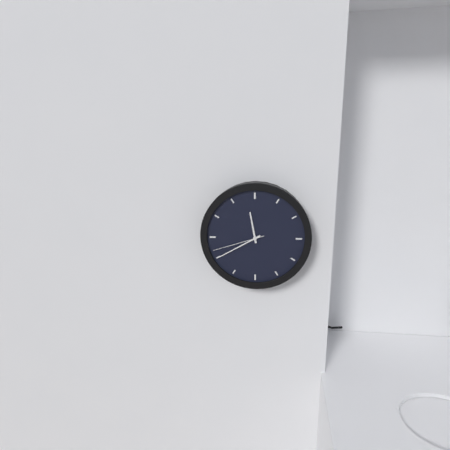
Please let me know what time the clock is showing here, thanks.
11:40:42
